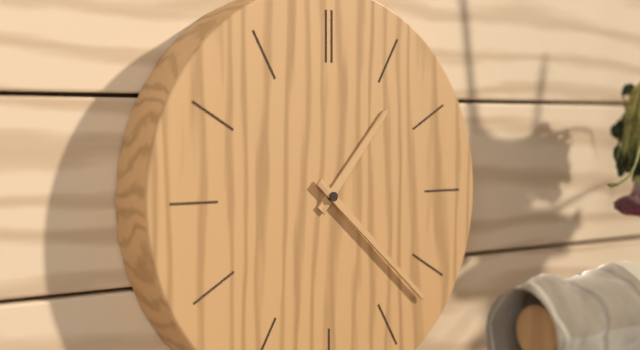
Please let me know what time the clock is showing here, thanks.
1:22
